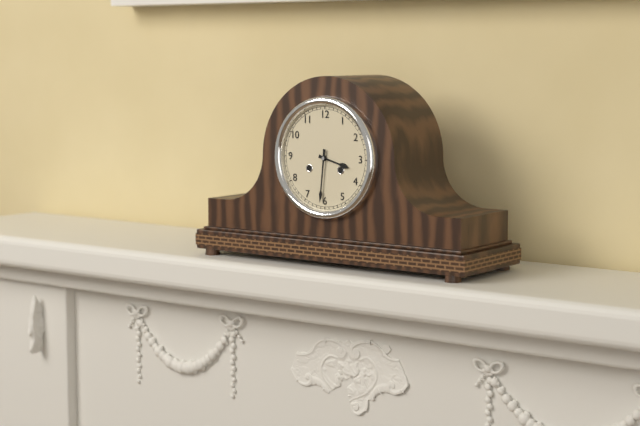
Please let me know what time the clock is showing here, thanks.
3:31
